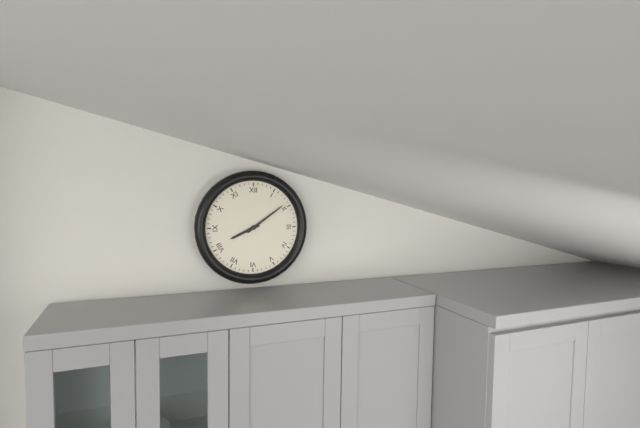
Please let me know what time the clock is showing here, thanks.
8:09
